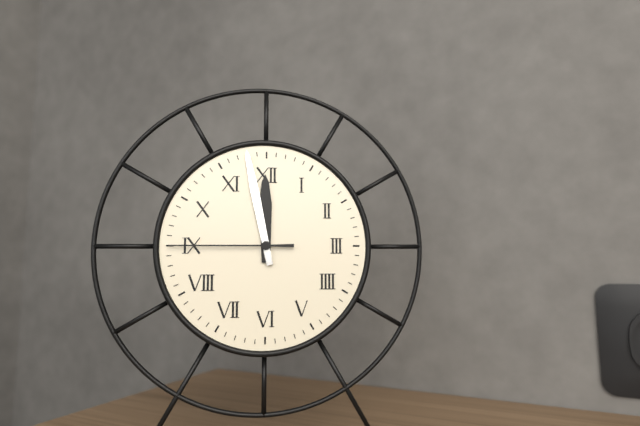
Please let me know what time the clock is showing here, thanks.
11:58:45
